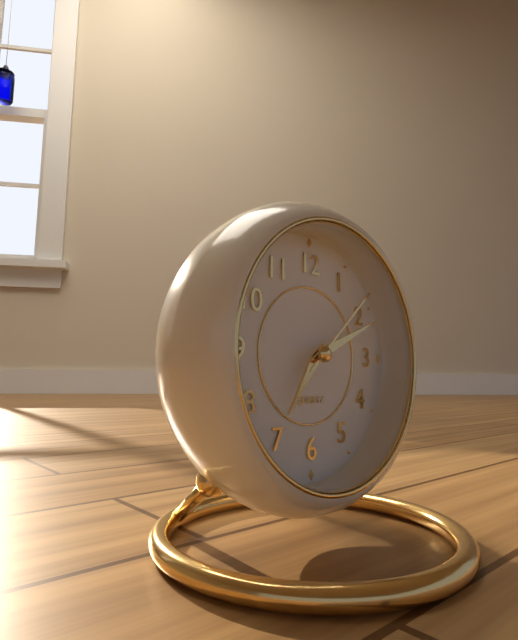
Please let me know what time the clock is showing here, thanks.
7:11:08
